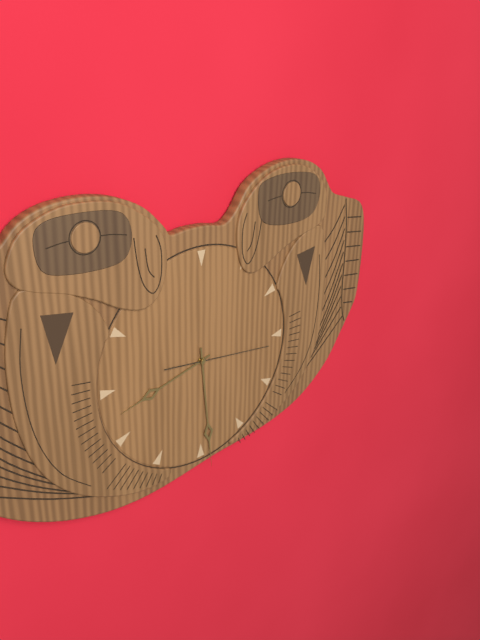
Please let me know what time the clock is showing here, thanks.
8:29:16
